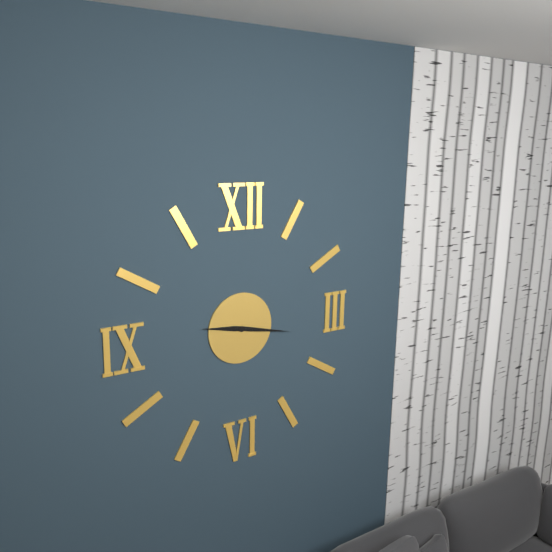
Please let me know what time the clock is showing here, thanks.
9:17:17
